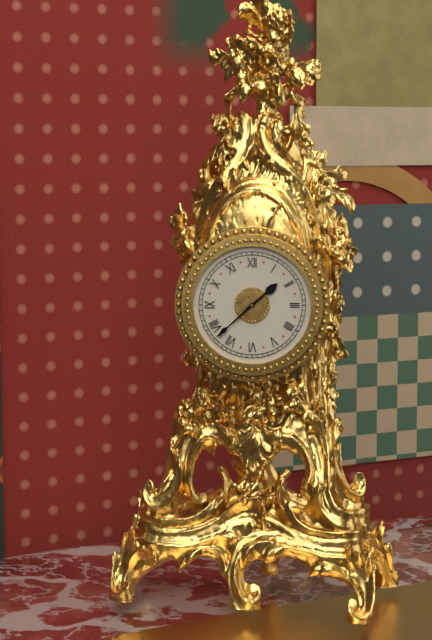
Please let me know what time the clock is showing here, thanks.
1:38
